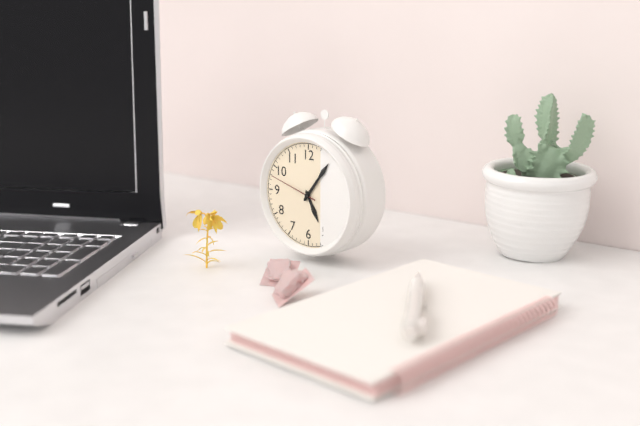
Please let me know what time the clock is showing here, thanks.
5:06:48
